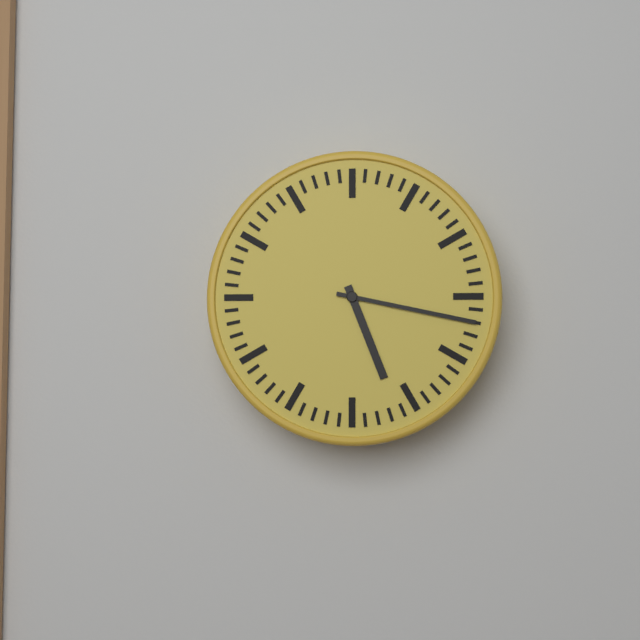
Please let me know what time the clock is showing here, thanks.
5:17
